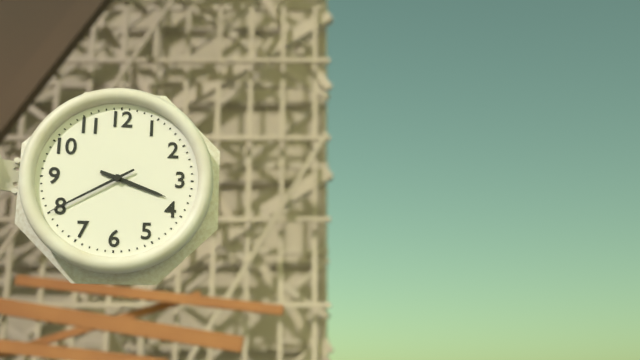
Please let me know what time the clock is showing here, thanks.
3:40
